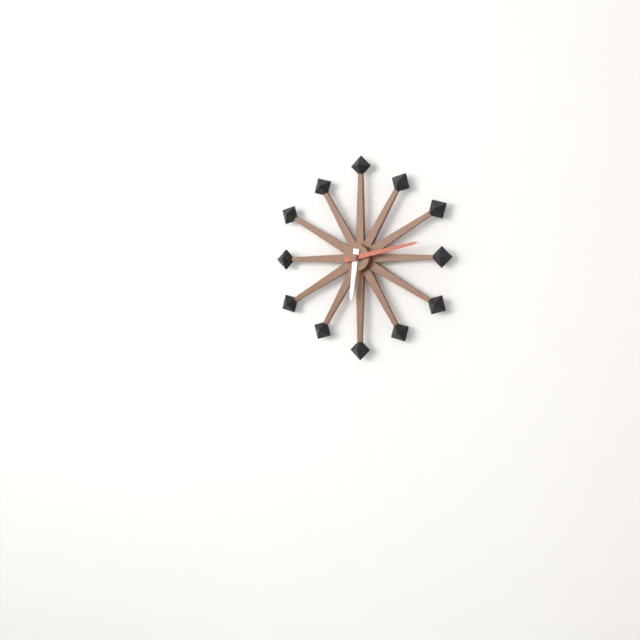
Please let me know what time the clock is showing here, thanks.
6:13
